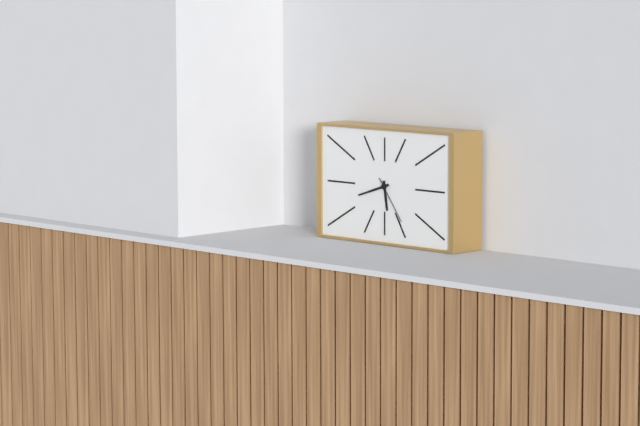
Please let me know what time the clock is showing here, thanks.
5:42
